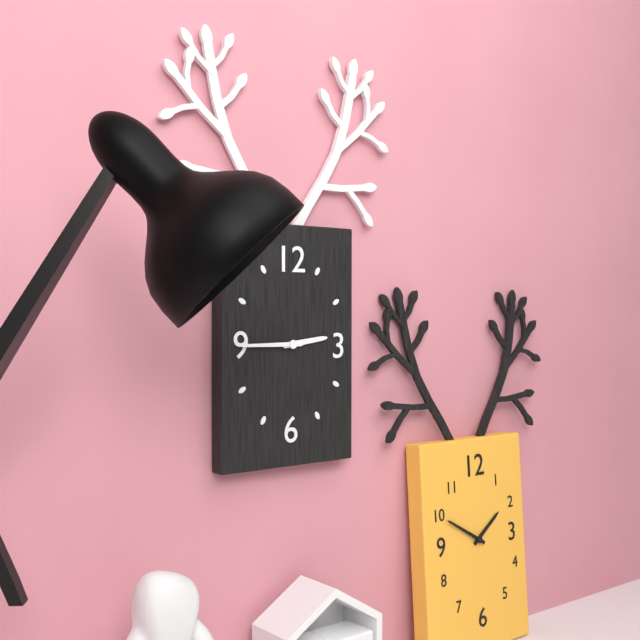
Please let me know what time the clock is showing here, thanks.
2:45
